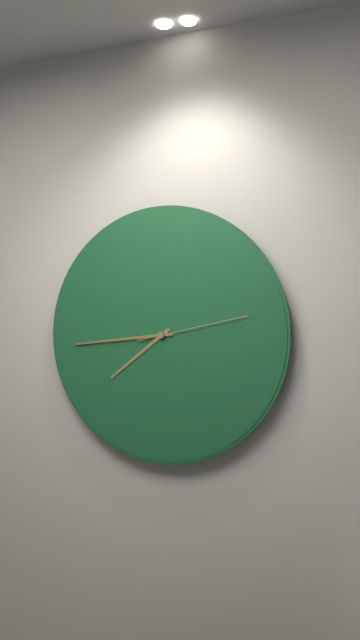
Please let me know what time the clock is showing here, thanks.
7:44:13
